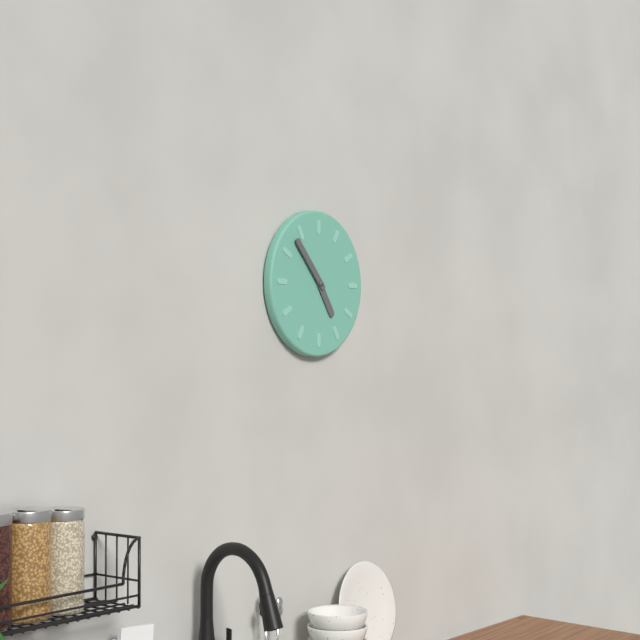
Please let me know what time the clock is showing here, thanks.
4:53
